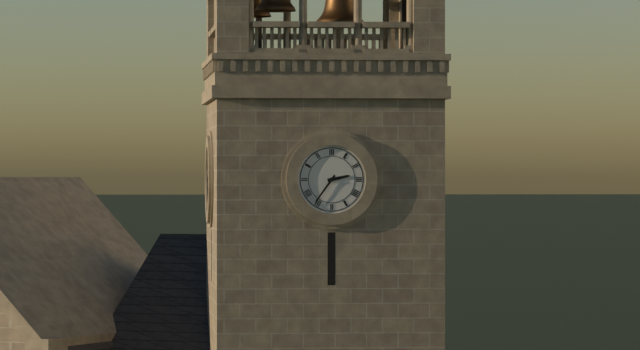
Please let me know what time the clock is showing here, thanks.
2:36
